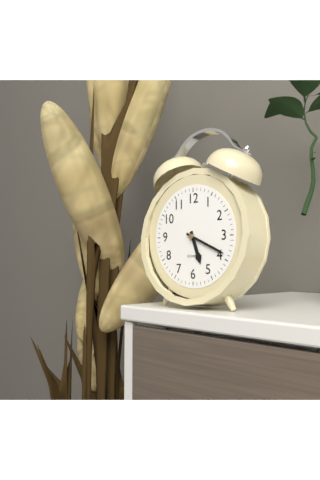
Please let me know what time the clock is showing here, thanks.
5:19
